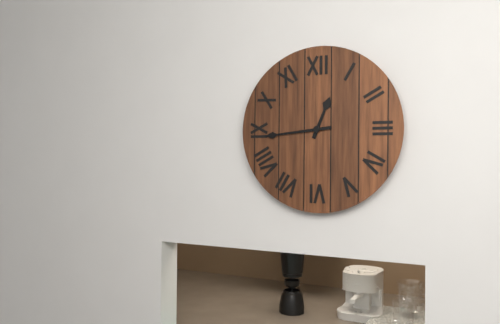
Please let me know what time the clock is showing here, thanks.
12:44
